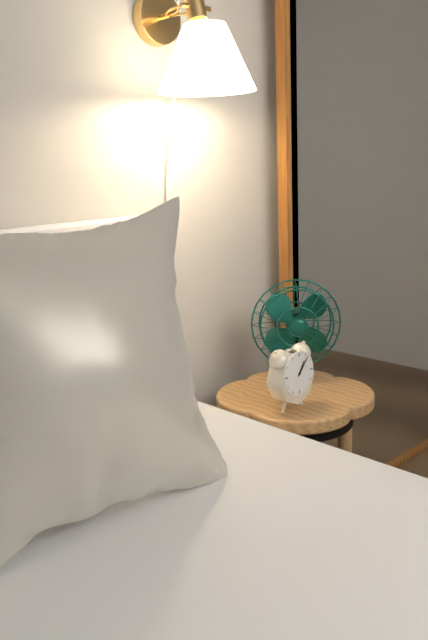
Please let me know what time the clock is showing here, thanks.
1:07
